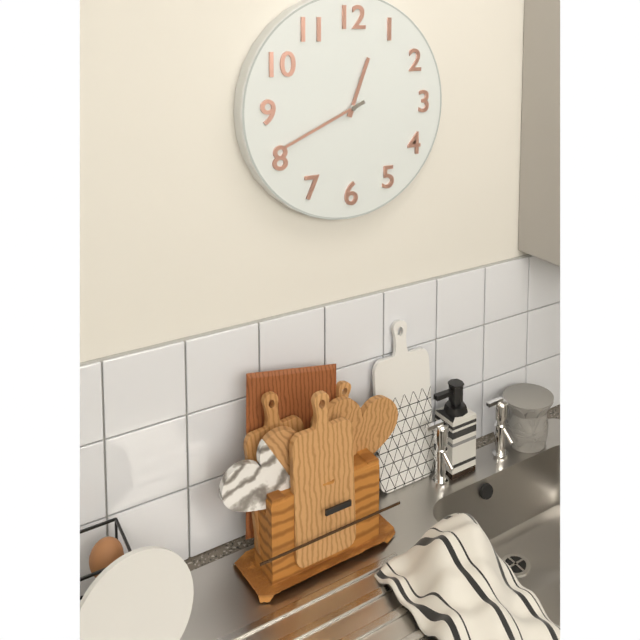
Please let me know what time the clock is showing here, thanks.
12:41
